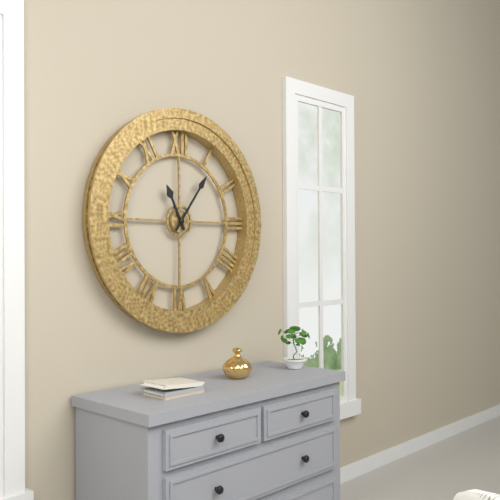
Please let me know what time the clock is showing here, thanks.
11:06
